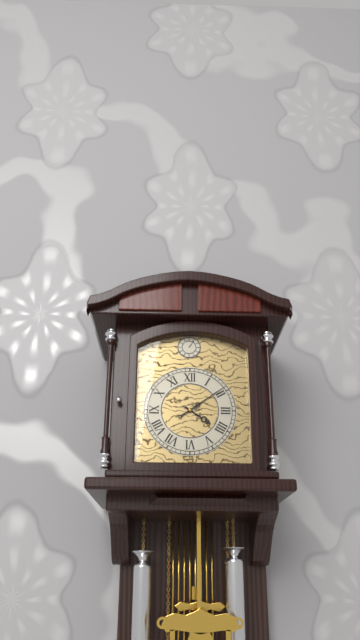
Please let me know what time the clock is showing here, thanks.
4:09
